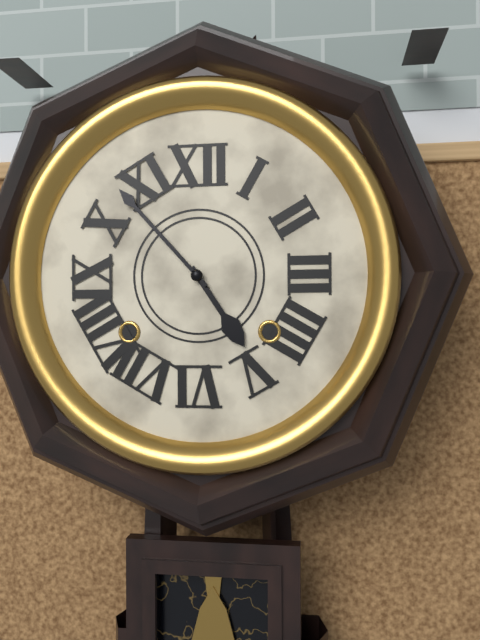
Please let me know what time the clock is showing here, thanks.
4:53
